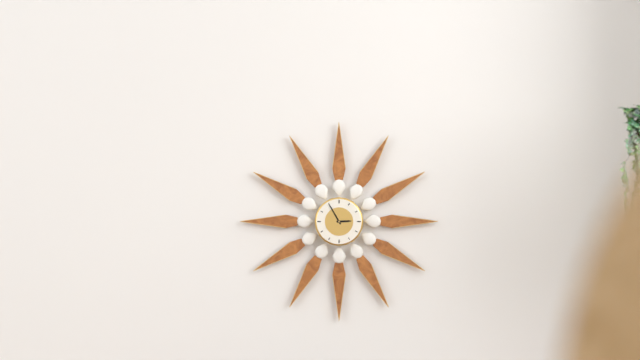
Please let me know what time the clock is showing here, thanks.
2:55
